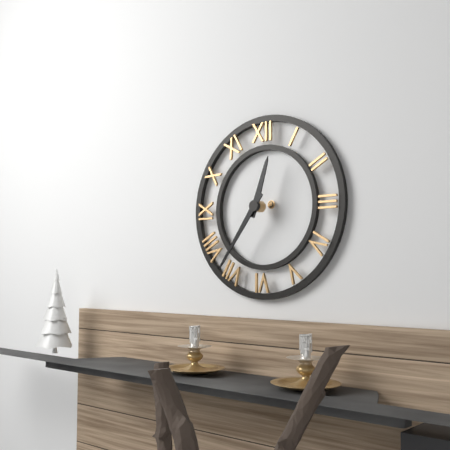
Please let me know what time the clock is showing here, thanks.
12:36
